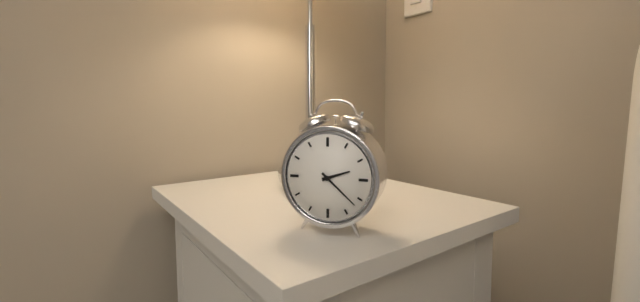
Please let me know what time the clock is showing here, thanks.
2:22
